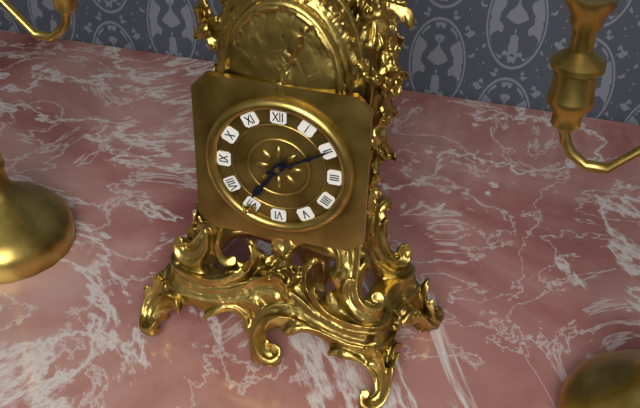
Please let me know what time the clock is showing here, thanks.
7:10
